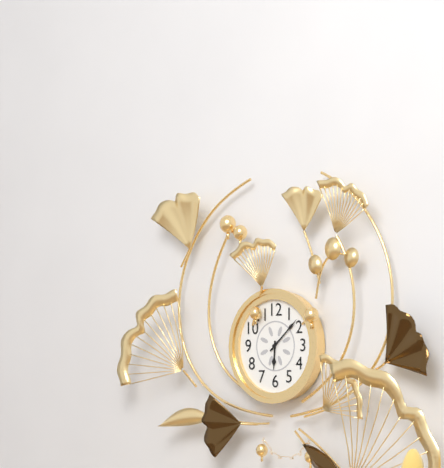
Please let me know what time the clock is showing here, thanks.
6:08
